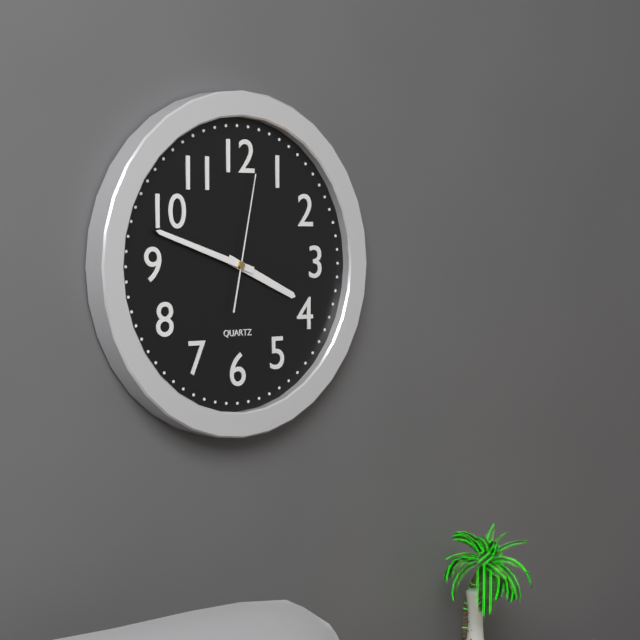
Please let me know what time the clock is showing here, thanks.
3:48:02
